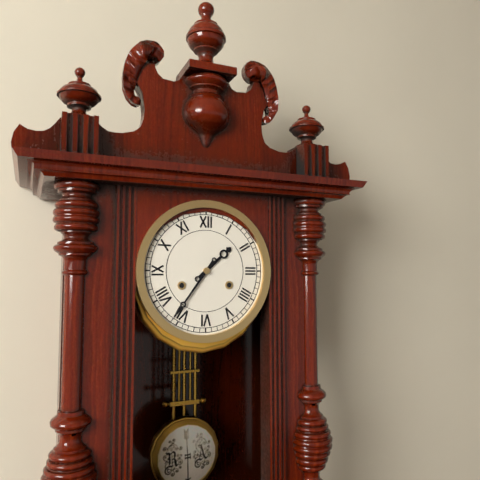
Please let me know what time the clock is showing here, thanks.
1:36
